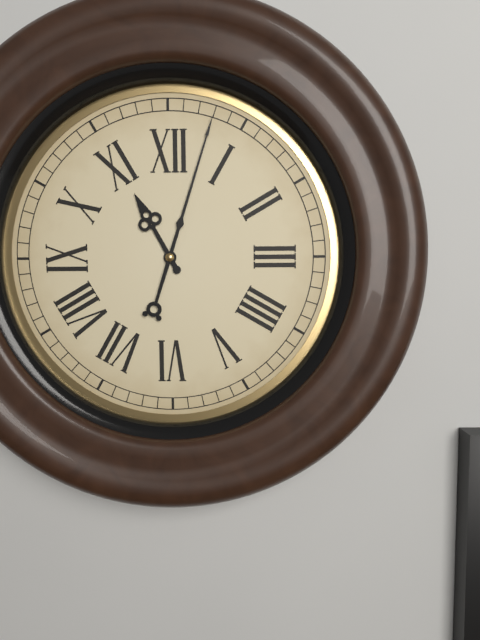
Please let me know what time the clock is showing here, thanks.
11:03
